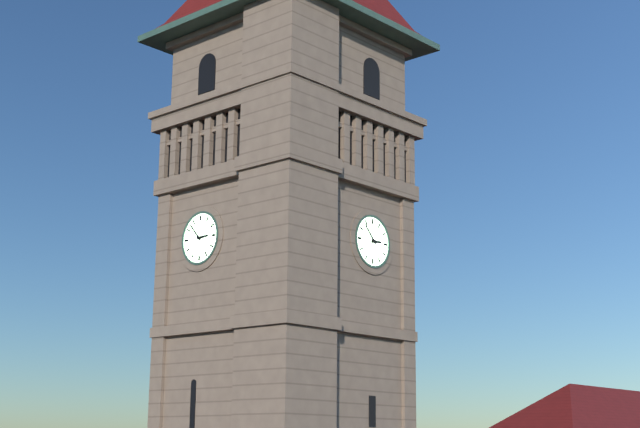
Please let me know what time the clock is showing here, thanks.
2:53
